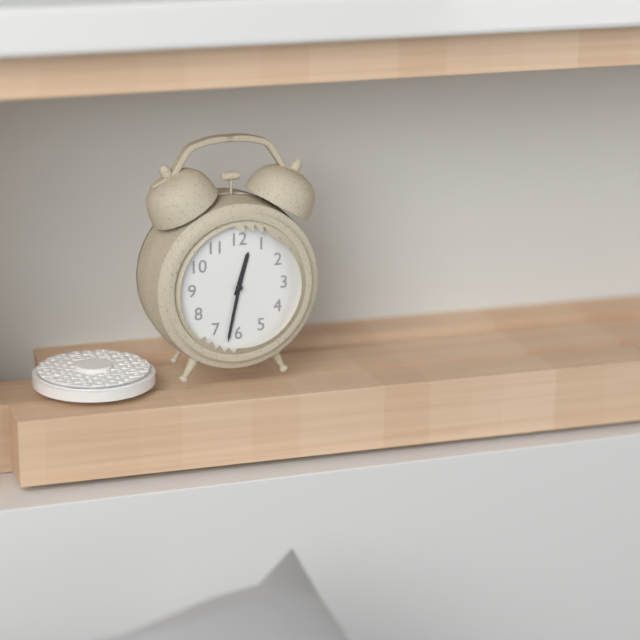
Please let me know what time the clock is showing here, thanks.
12:32
